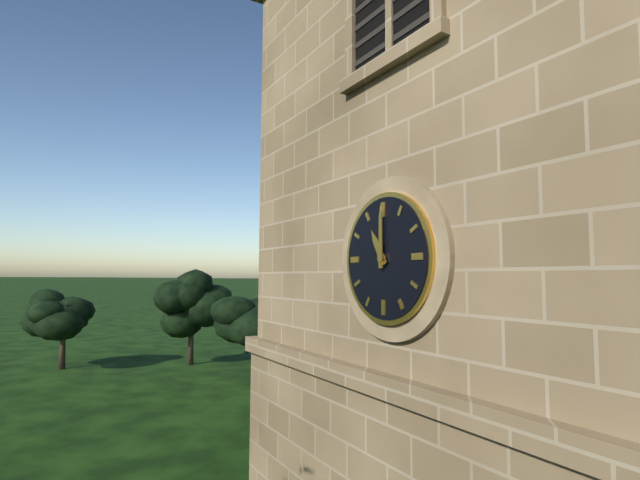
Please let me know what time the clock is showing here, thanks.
11:00
